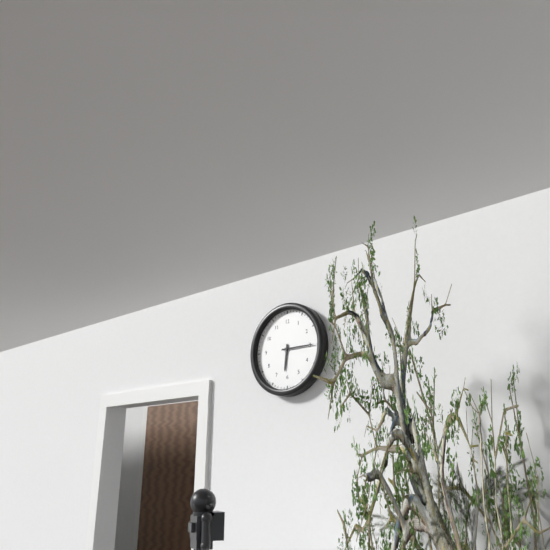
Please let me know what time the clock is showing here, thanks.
6:15
